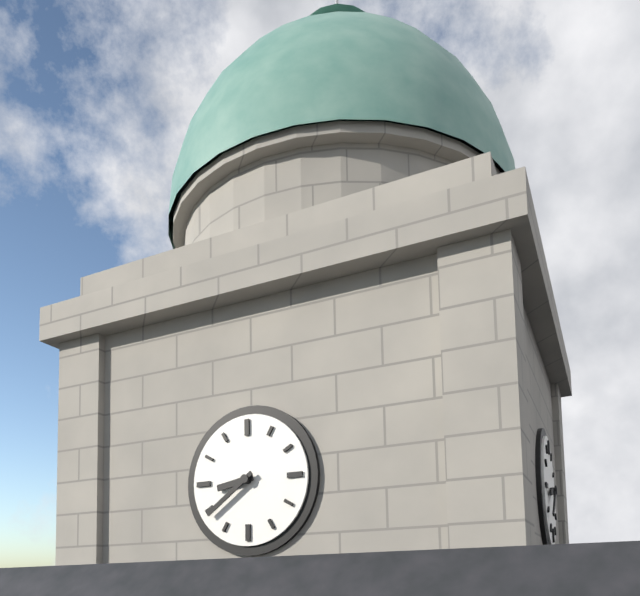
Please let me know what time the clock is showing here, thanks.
8:39
